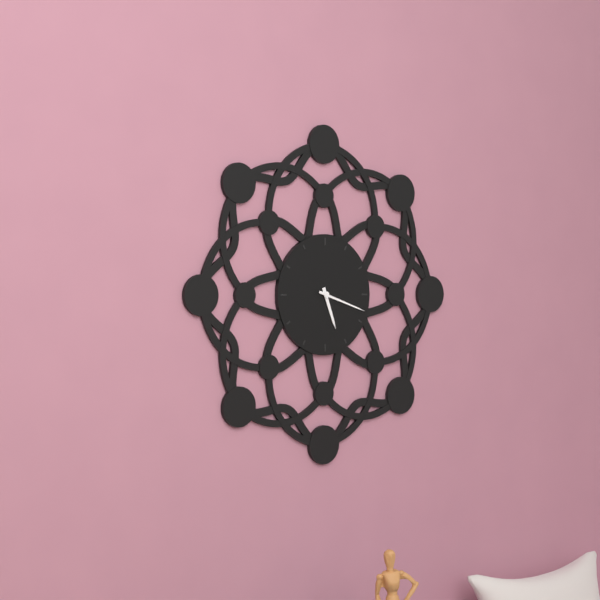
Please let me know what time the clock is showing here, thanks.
5:18
